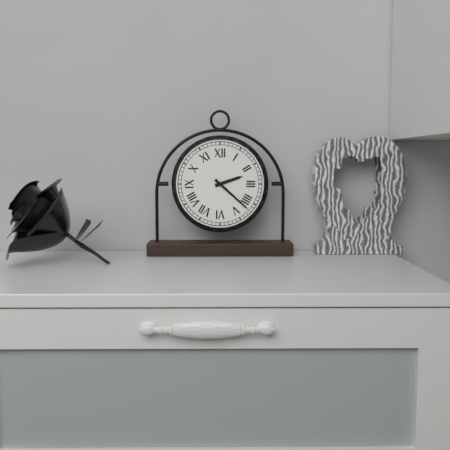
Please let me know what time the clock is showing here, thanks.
2:22
